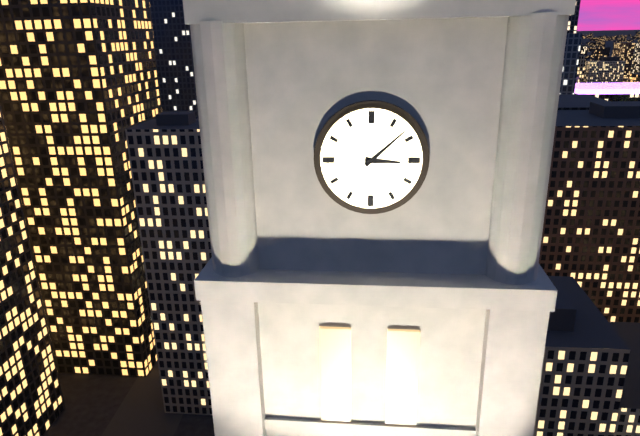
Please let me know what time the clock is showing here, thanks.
3:08
